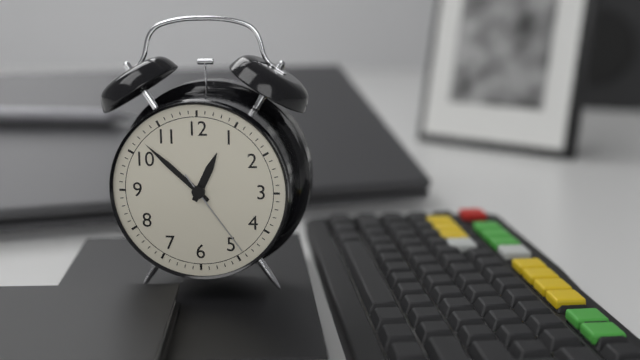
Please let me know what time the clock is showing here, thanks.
12:52:24
